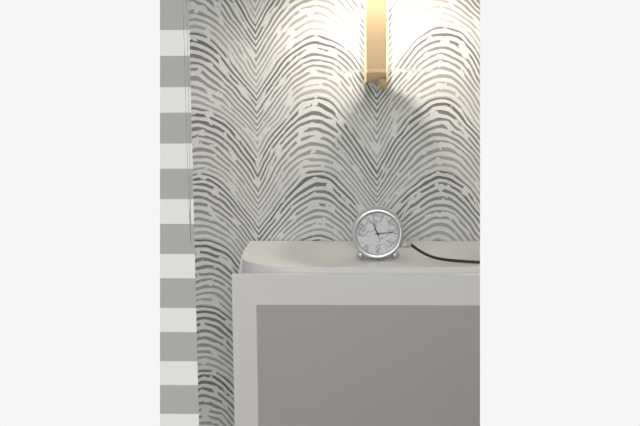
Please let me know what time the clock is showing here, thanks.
11:14
